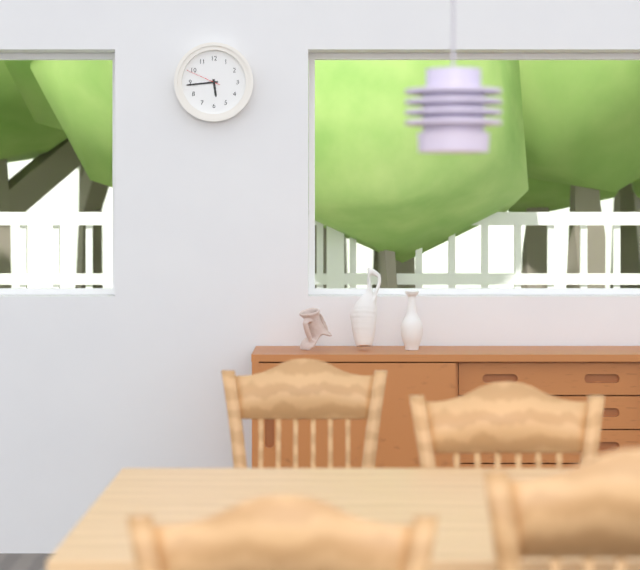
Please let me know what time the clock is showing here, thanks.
5:44
